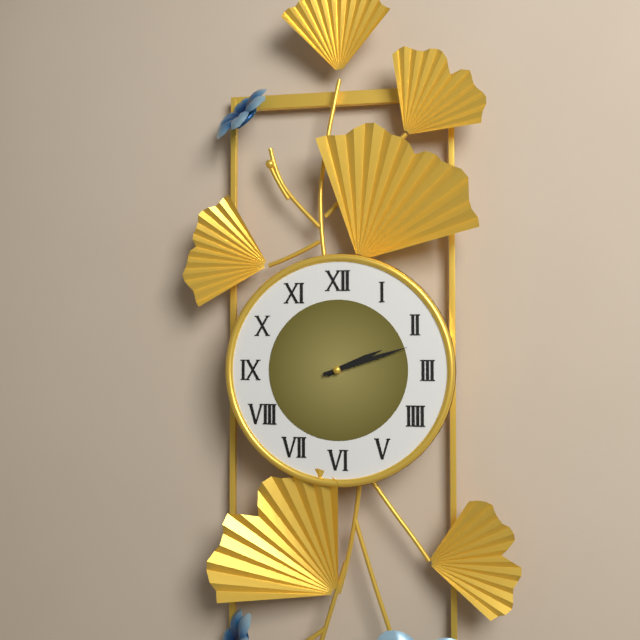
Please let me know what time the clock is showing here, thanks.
2:12
